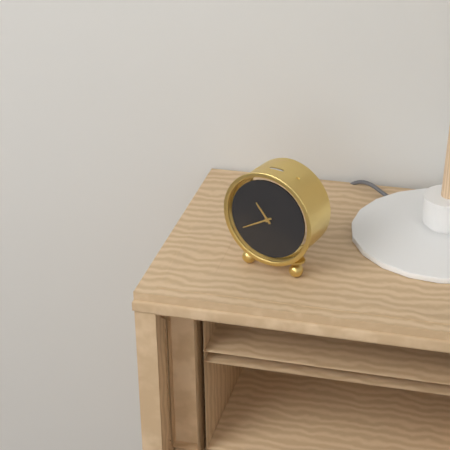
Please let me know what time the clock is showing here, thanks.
10:40
